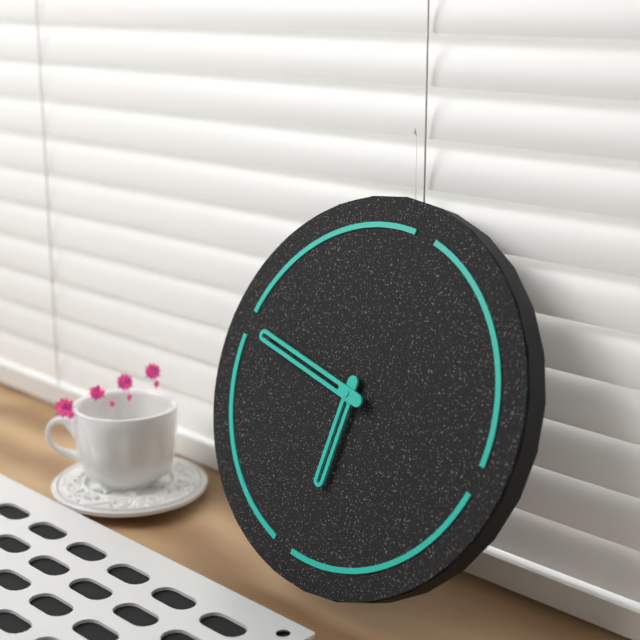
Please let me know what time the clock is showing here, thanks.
5:45
